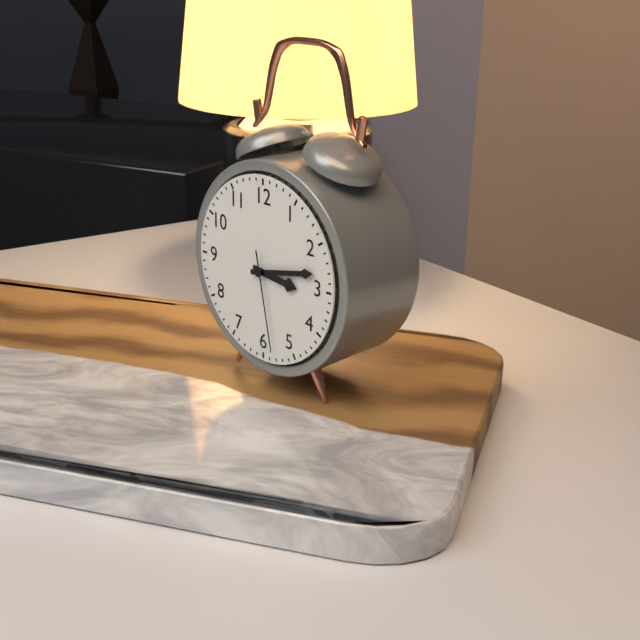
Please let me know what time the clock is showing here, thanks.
3:13:28
